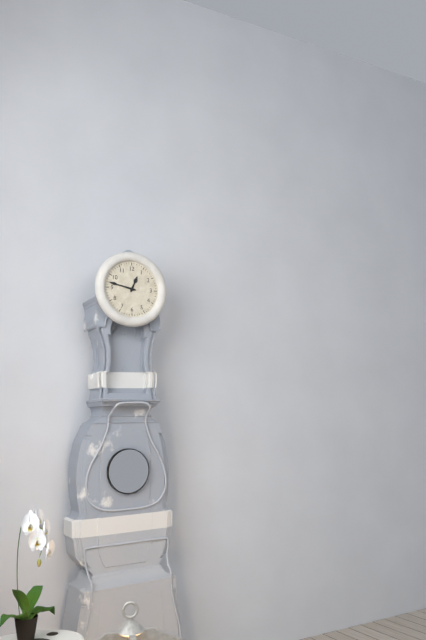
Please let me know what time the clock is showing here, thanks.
12:47
